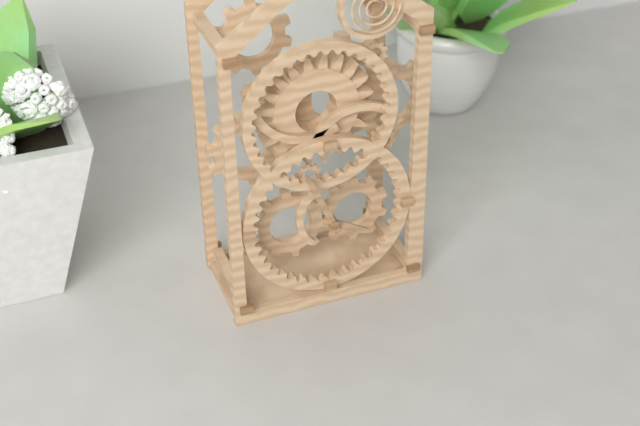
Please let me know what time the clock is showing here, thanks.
3:56
